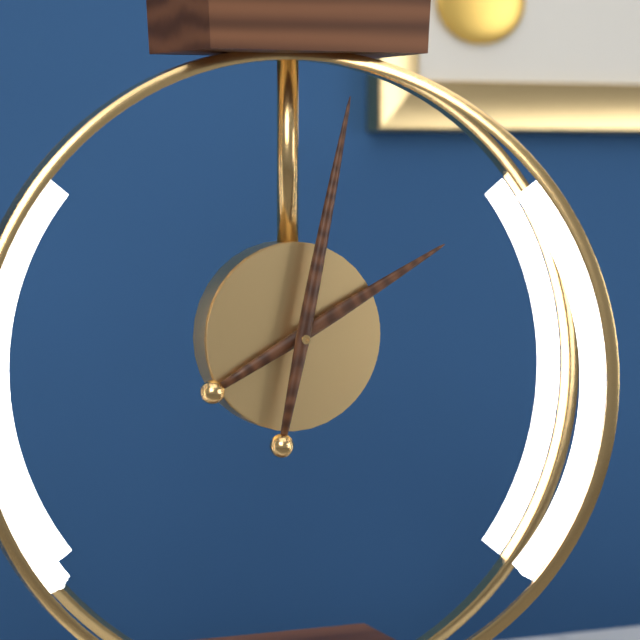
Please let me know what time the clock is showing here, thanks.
2:02
